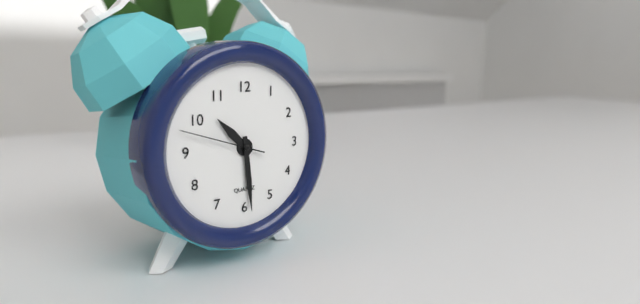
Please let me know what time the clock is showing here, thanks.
10:29:48
